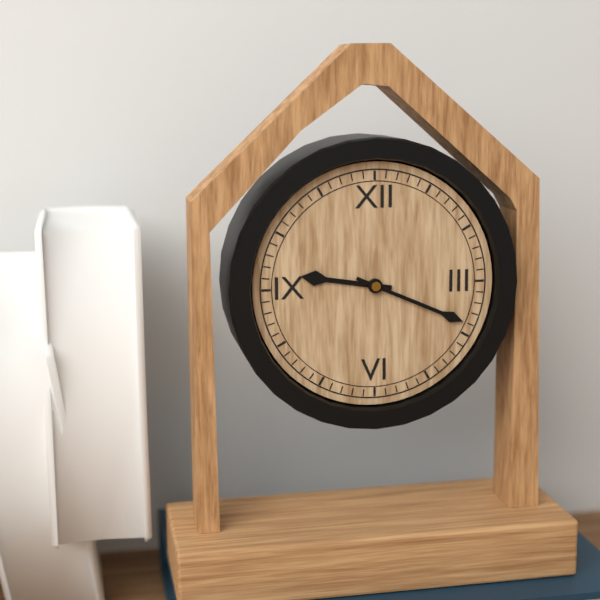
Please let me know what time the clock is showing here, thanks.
9:19
